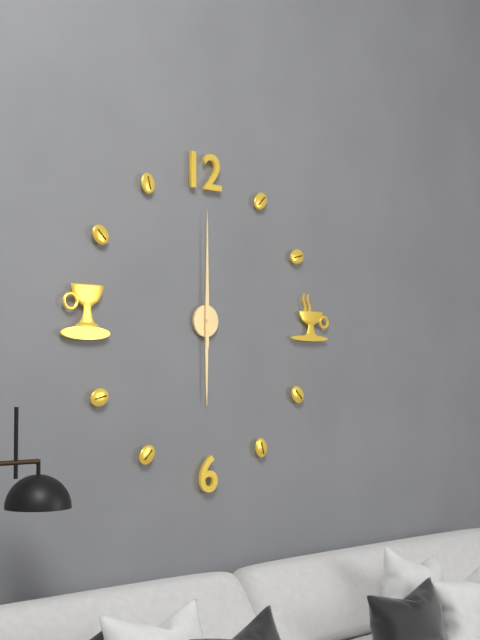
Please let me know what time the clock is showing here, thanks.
6:00
